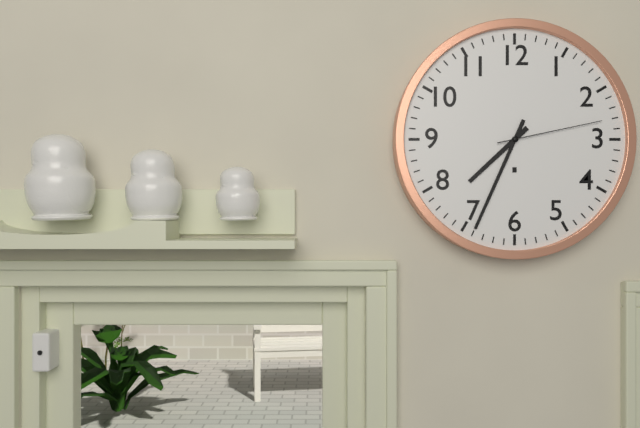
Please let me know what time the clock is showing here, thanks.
7:34:13
